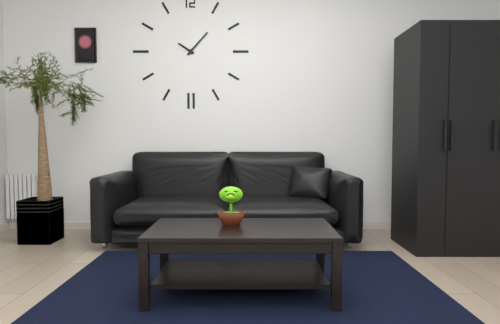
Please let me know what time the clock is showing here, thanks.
10:07
